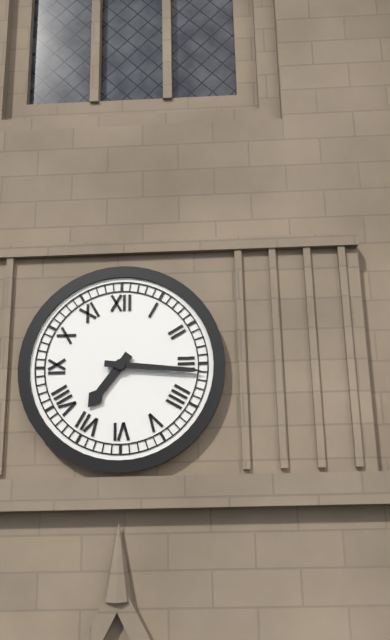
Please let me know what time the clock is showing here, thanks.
7:16
